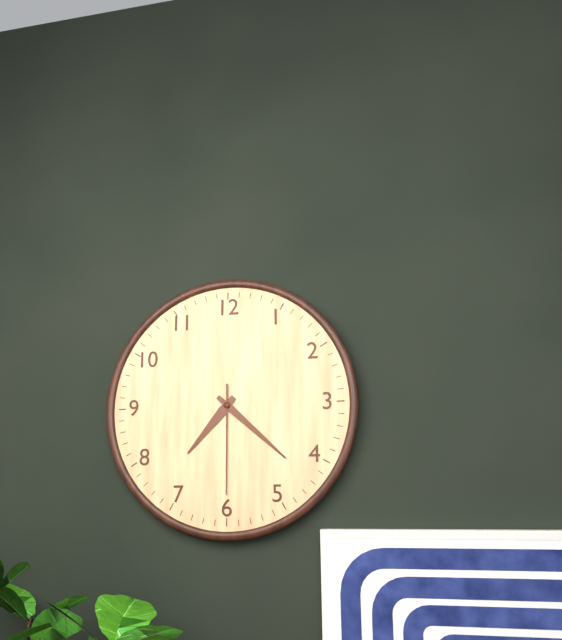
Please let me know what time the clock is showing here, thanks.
7:22:30
